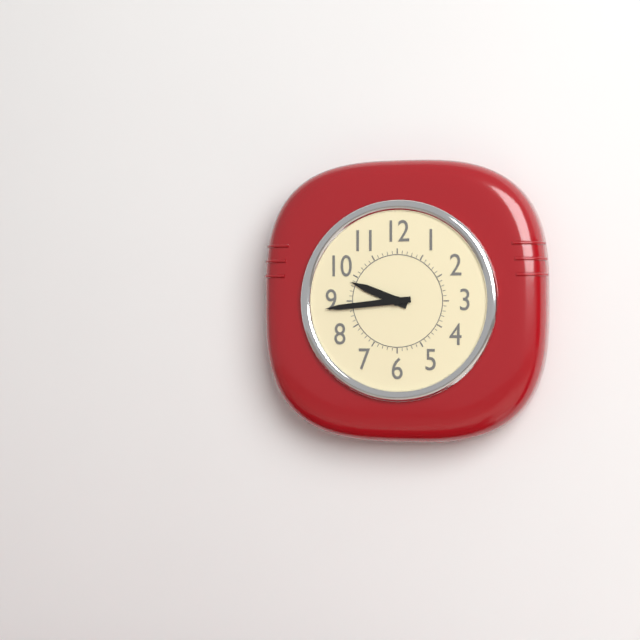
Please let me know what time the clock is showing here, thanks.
9:44
